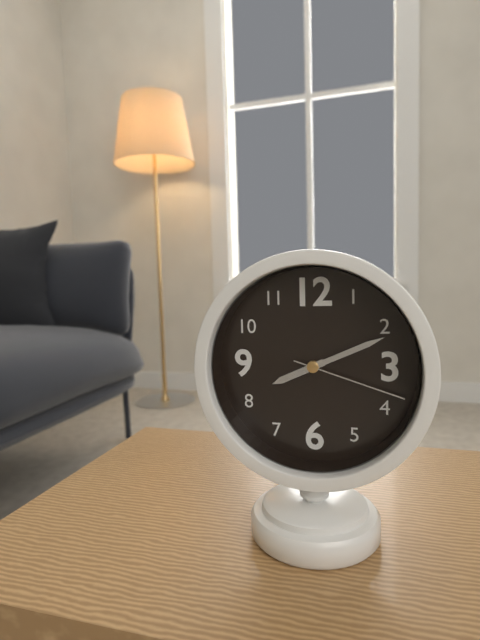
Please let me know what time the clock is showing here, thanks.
8:11:18
